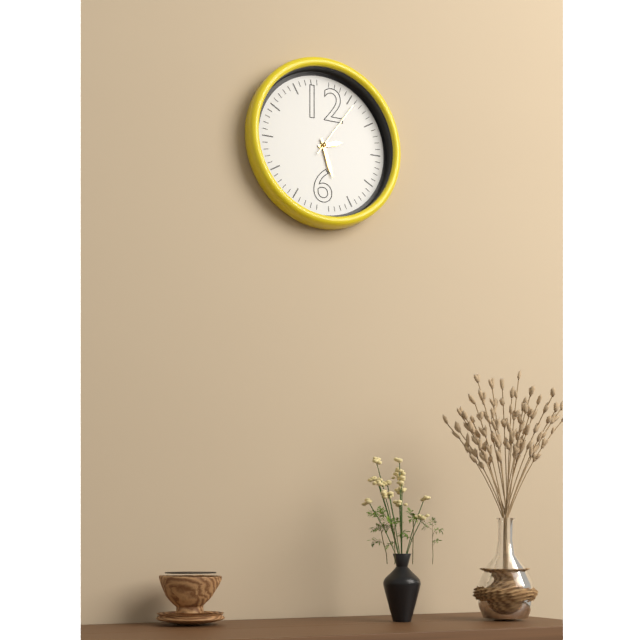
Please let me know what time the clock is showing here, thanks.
2:27:06
